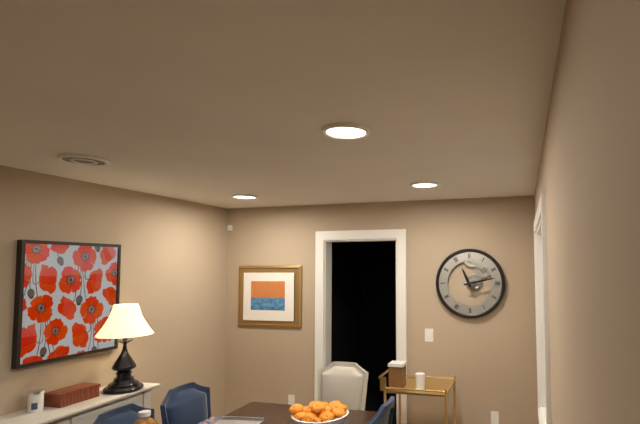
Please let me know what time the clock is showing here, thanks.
11:13
